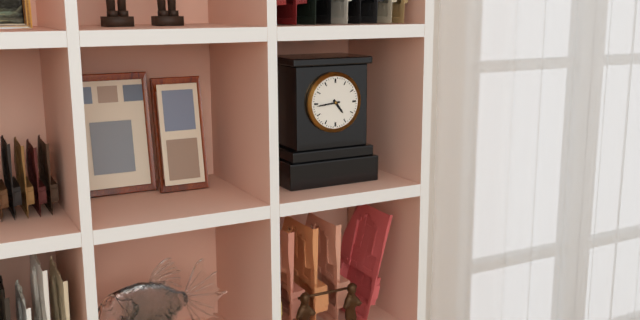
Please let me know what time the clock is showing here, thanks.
4:44
